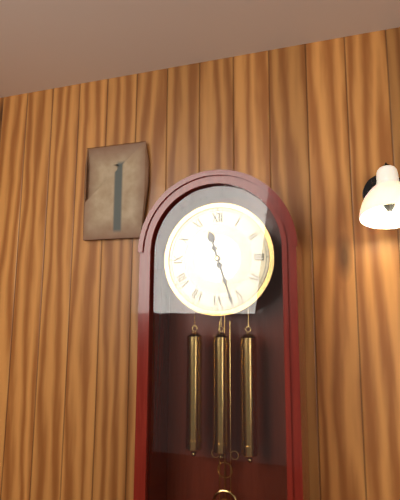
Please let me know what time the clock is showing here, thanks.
11:27
